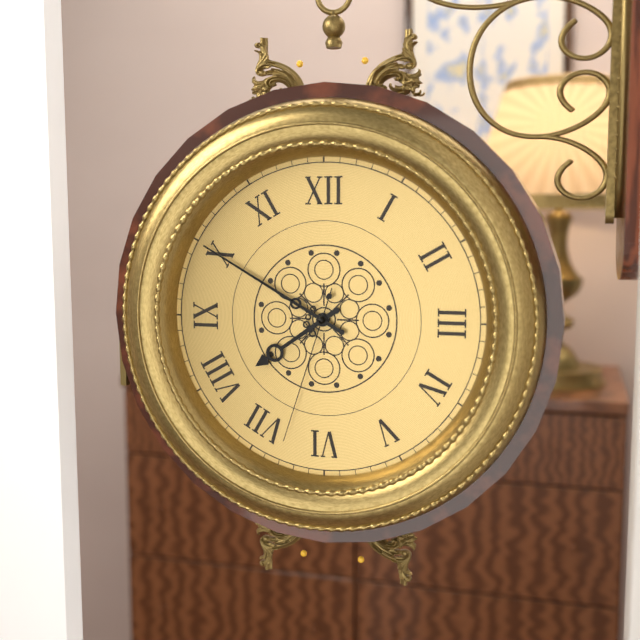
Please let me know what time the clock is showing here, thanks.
7:50:33
